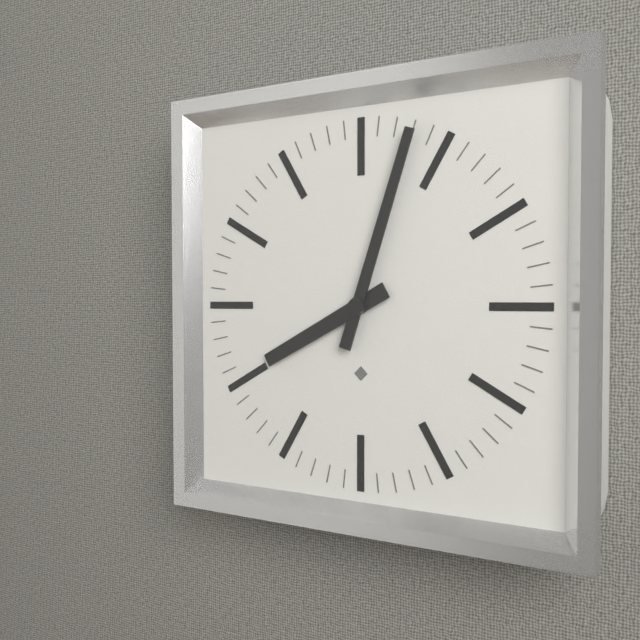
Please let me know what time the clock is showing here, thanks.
8:03
